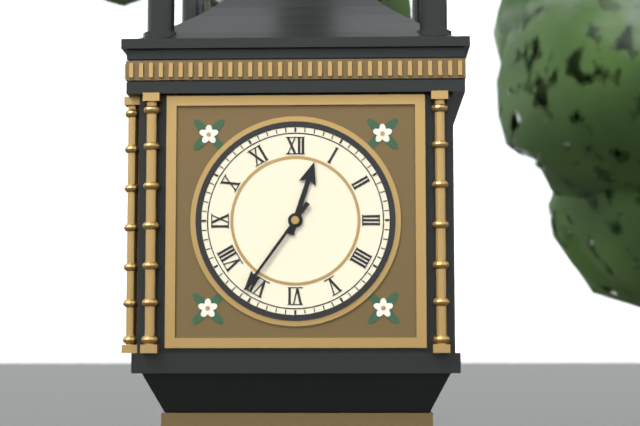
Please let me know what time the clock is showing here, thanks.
12:36
